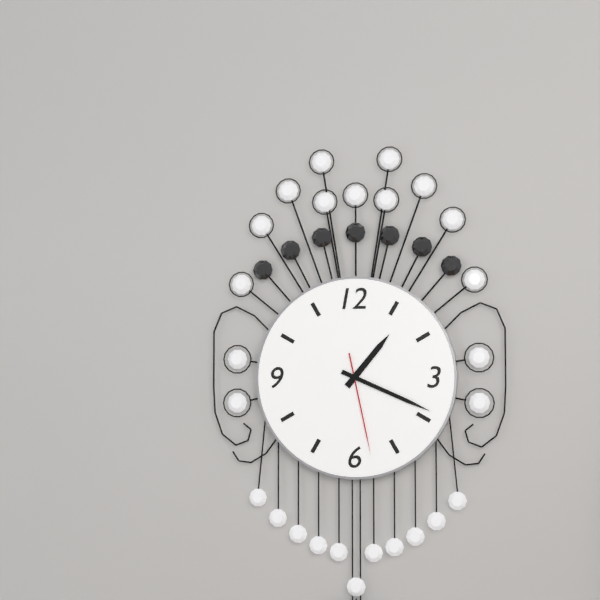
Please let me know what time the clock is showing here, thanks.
1:19:28
